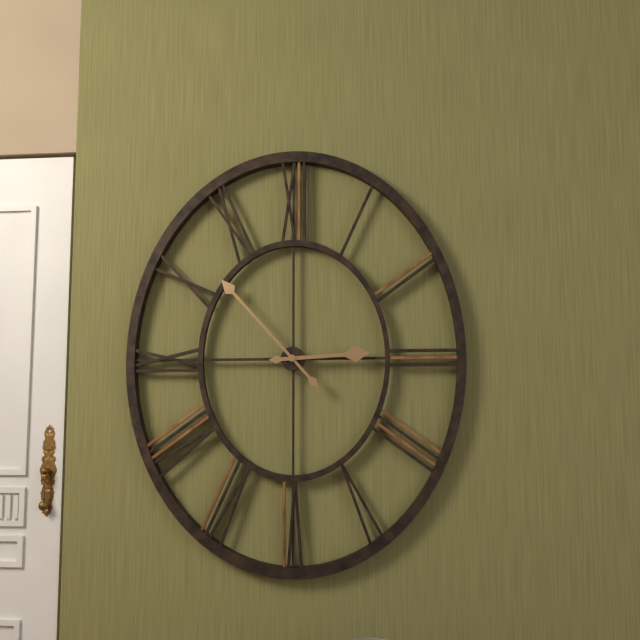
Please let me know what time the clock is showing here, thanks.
2:53
